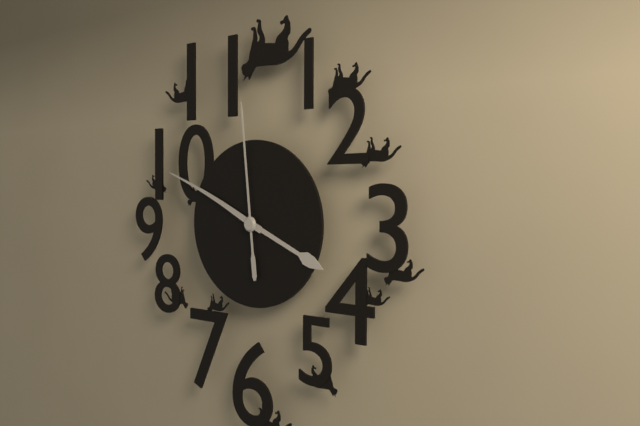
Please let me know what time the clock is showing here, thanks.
3:49:59
